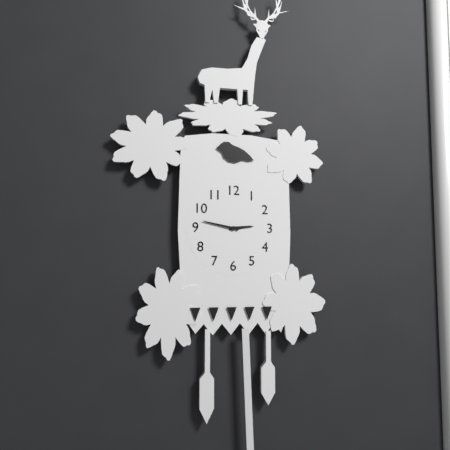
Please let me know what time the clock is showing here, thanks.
2:47
